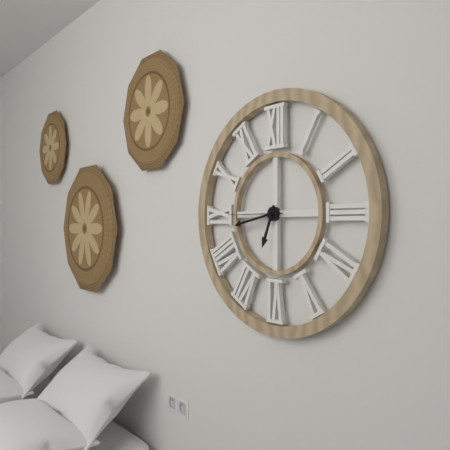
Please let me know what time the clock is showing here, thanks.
6:43:45
